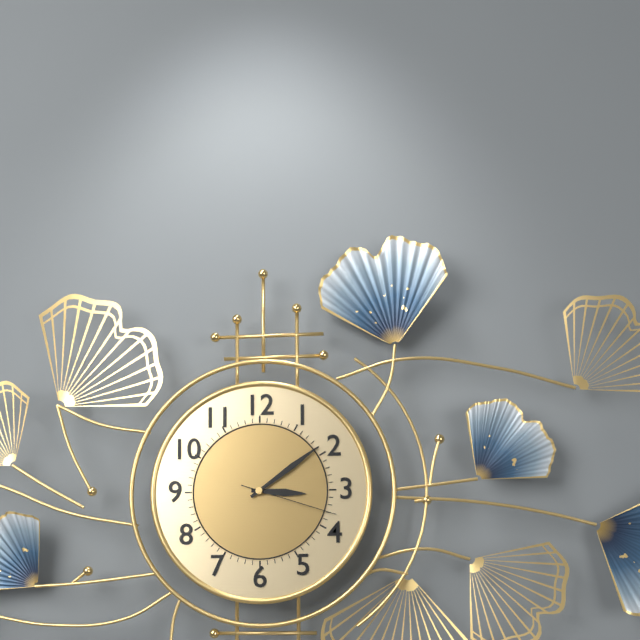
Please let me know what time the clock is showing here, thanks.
3:09:18
